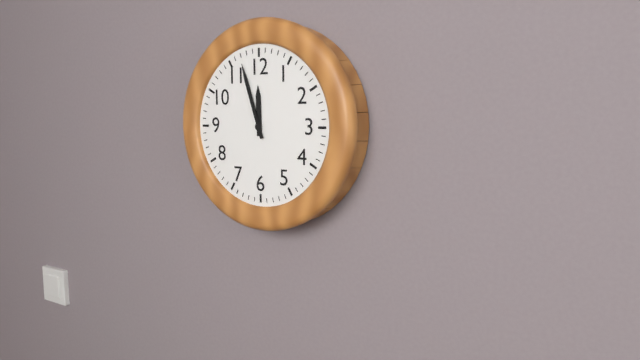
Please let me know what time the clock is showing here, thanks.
11:57
